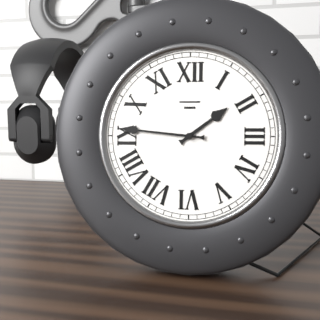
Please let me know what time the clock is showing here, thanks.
1:46
